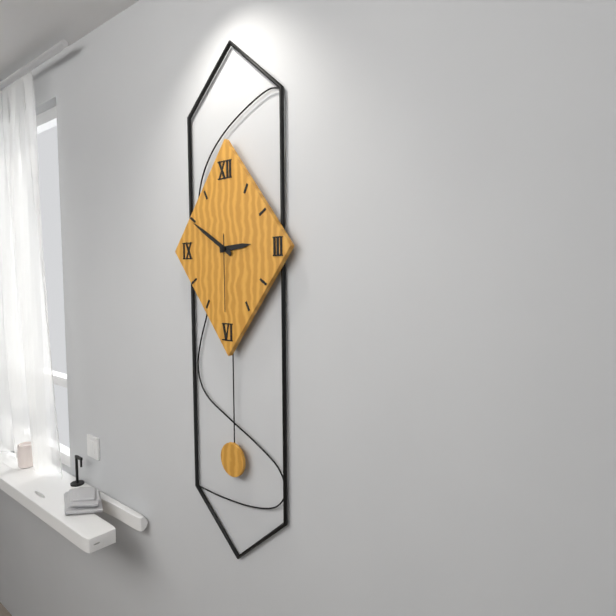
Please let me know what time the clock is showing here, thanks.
2:50:30
